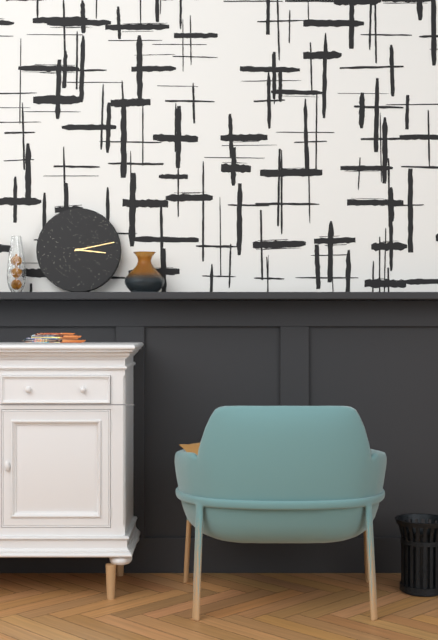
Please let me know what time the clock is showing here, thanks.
3:13
